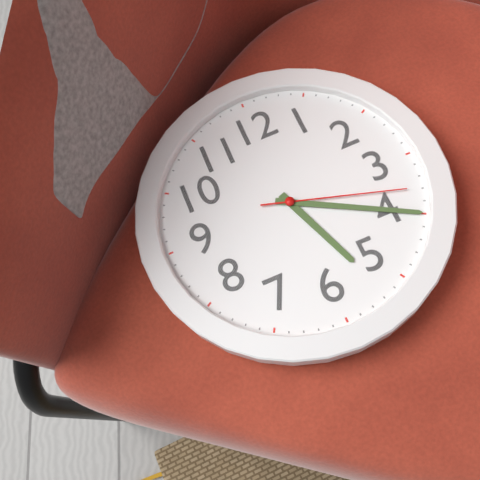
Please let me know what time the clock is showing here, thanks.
5:20:18
